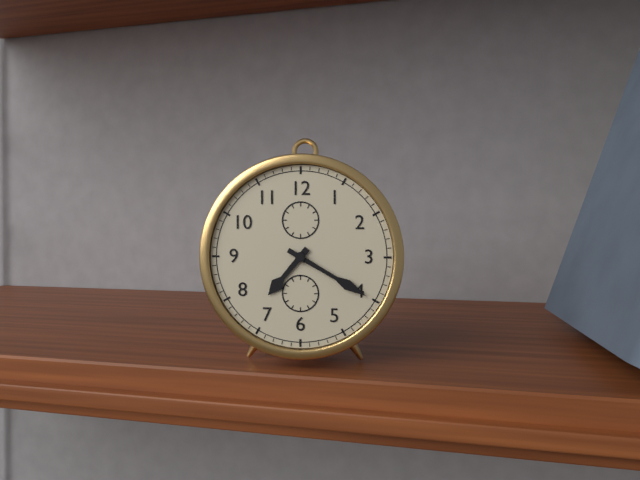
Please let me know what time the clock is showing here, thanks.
7:20
